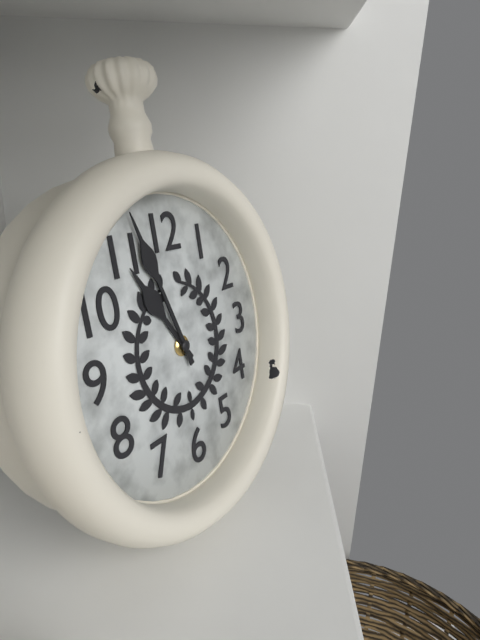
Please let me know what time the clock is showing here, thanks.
10:57
